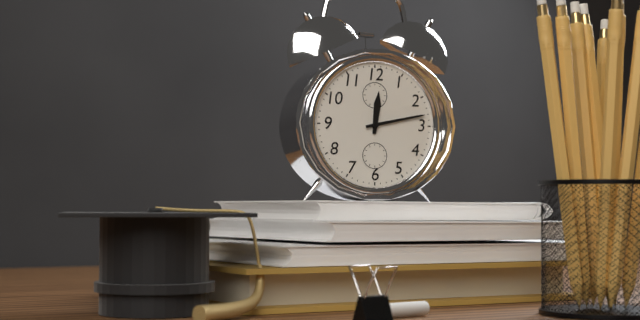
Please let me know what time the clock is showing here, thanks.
12:13
